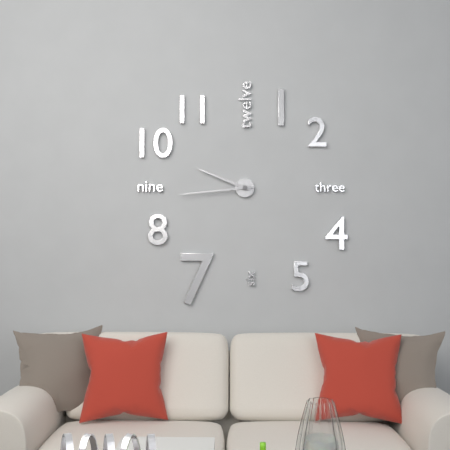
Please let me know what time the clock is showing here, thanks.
9:44
